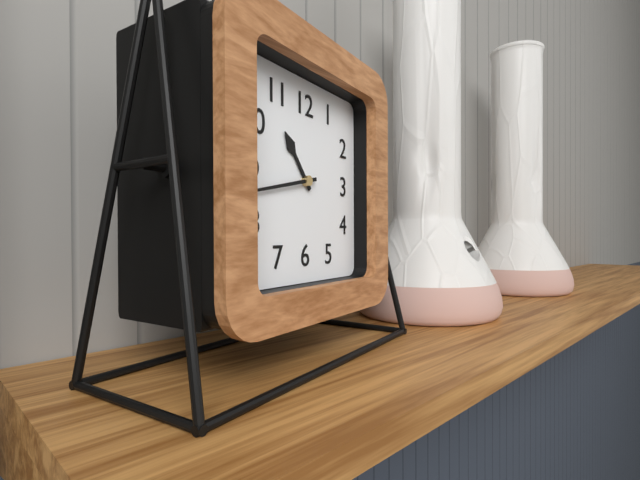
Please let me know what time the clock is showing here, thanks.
10:43
